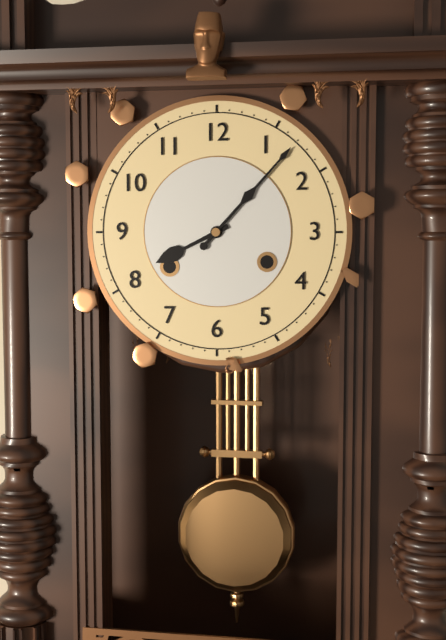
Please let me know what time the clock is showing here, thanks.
8:07
